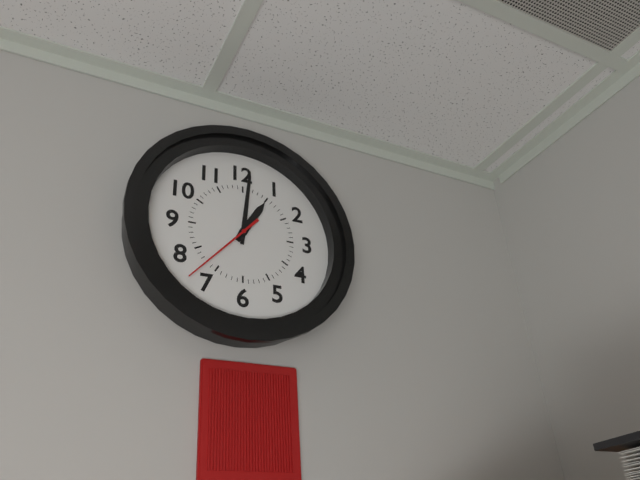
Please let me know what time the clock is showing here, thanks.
1:01:37
